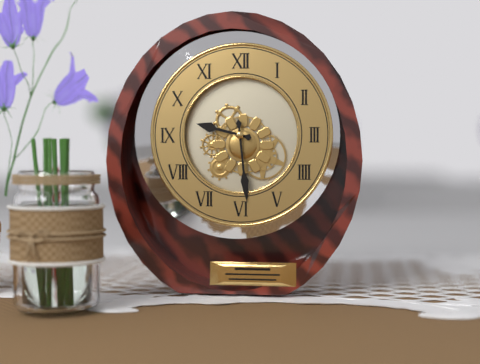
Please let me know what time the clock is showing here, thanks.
9:29
